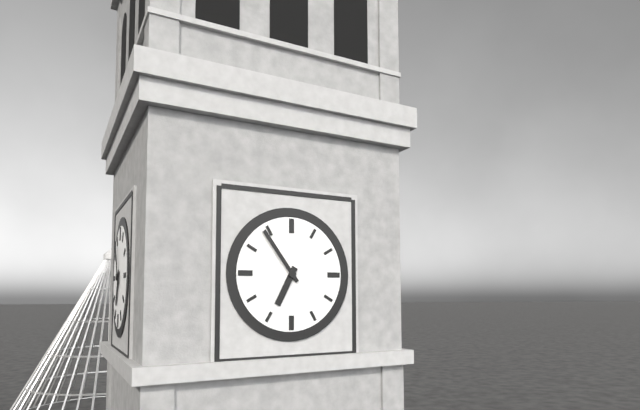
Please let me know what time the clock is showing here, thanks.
6:54
